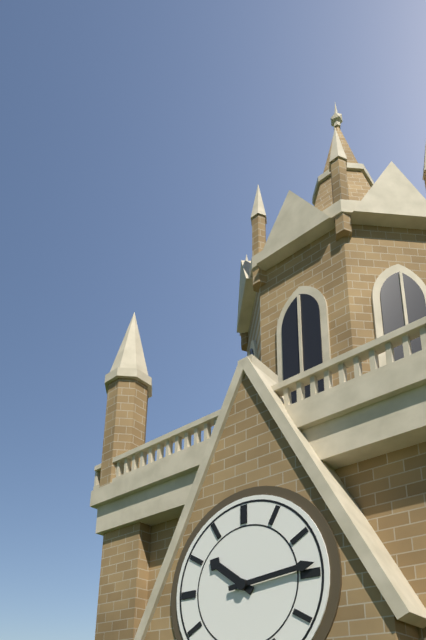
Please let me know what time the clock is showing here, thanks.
10:14
